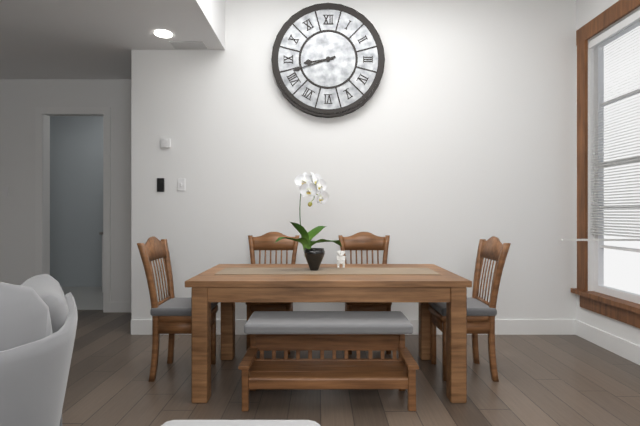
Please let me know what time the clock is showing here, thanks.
8:42
